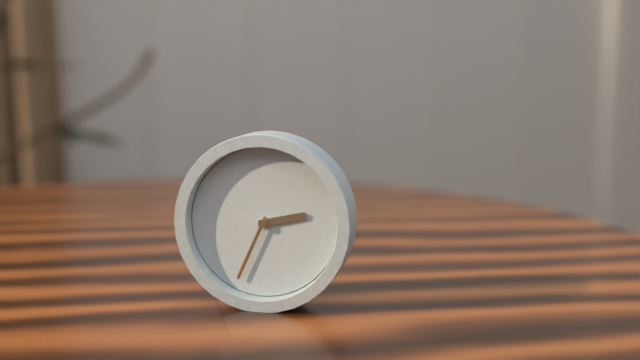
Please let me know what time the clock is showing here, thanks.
2:34
